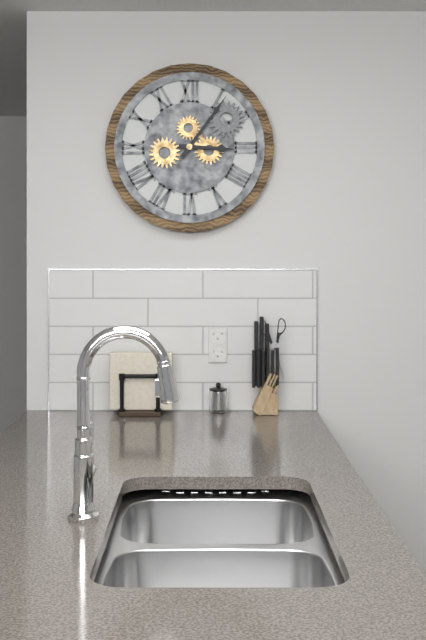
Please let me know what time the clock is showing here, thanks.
3:06
